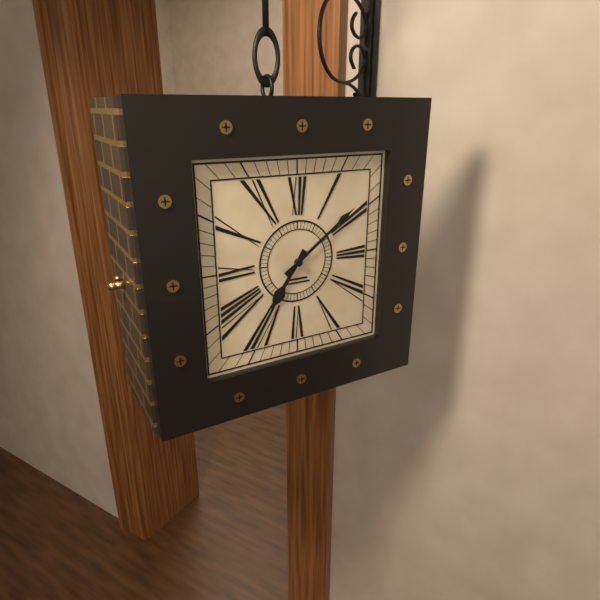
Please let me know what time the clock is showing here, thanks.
7:09
